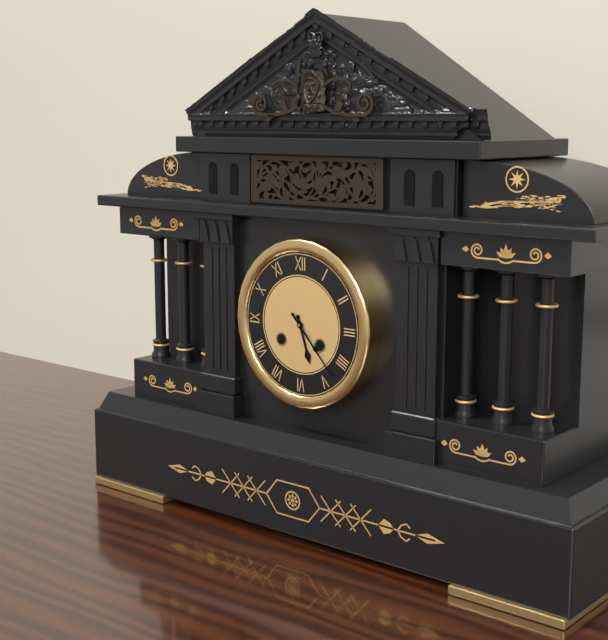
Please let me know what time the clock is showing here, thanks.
5:23
